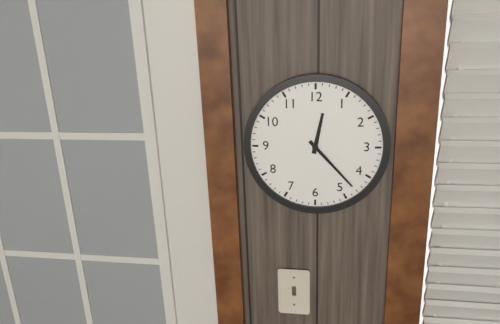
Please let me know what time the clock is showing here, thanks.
12:23
